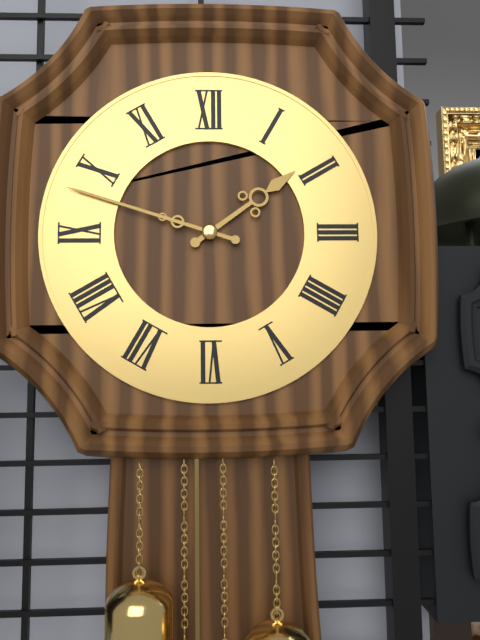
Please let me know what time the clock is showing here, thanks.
1:48
